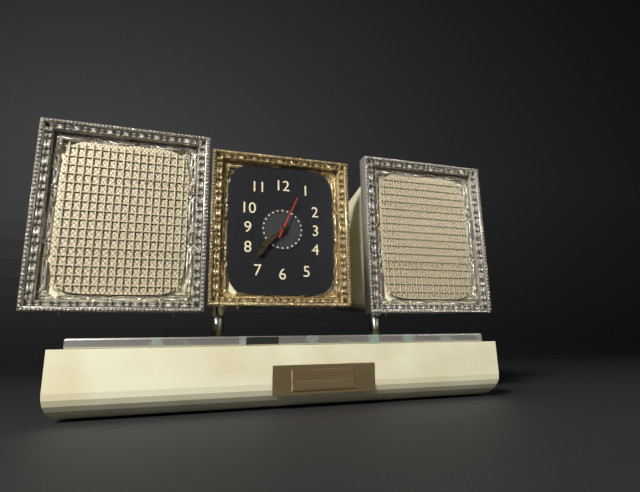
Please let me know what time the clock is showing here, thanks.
7:37
